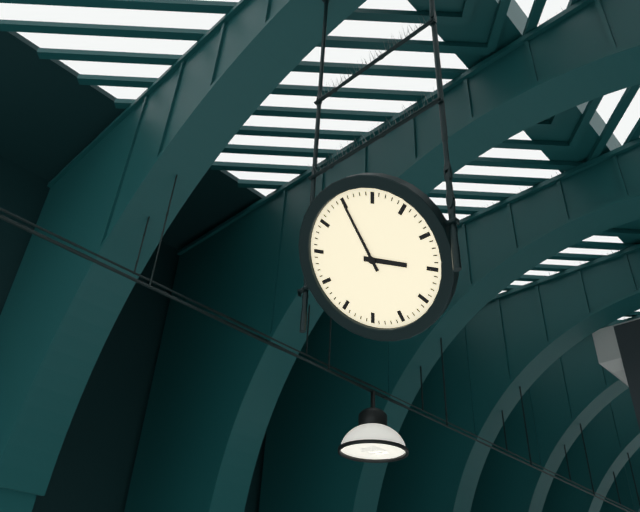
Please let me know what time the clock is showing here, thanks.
4:00
